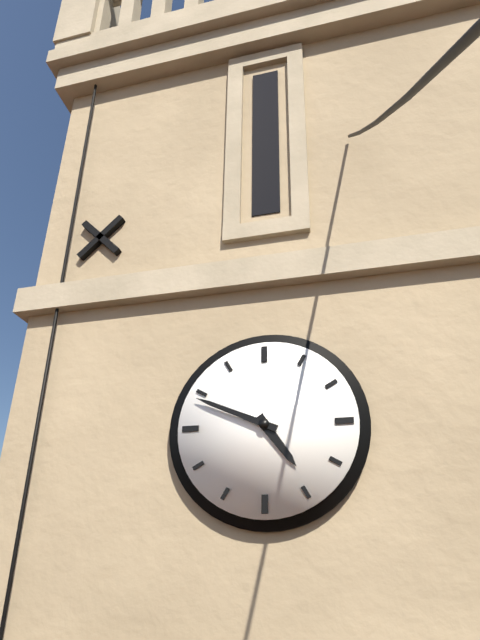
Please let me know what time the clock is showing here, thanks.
4:49
